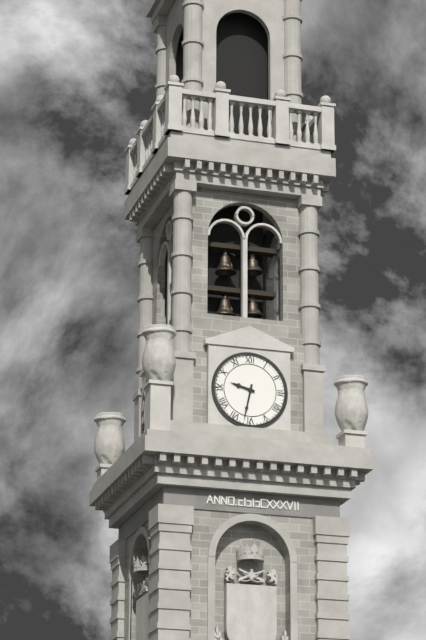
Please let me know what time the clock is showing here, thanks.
9:32
